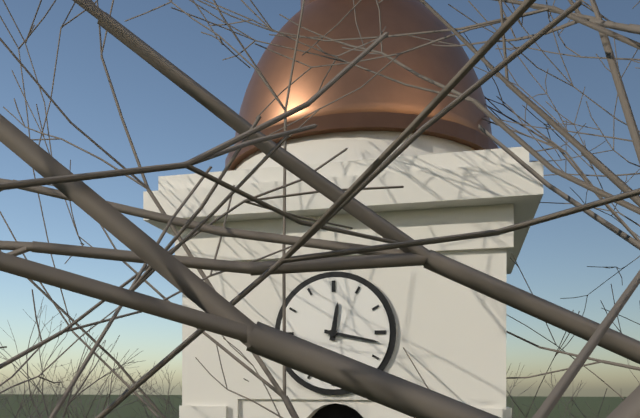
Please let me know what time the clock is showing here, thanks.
12:17
